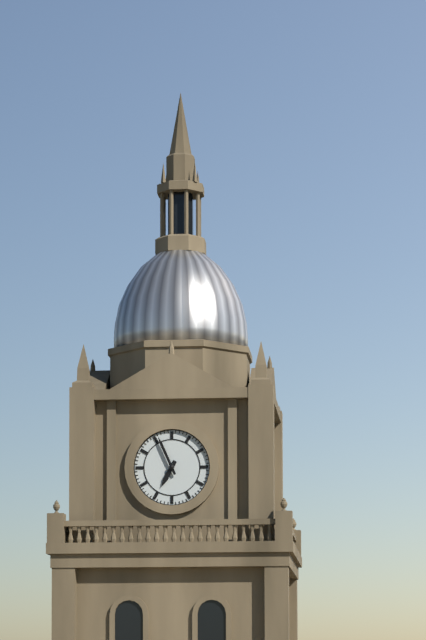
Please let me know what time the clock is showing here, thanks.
6:56
